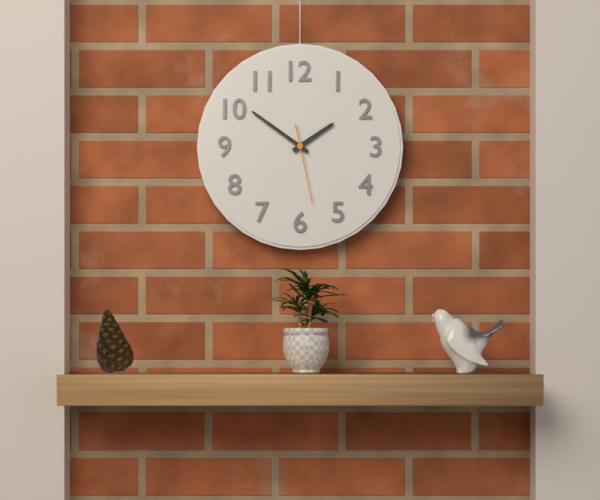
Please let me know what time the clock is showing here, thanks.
1:51:28
